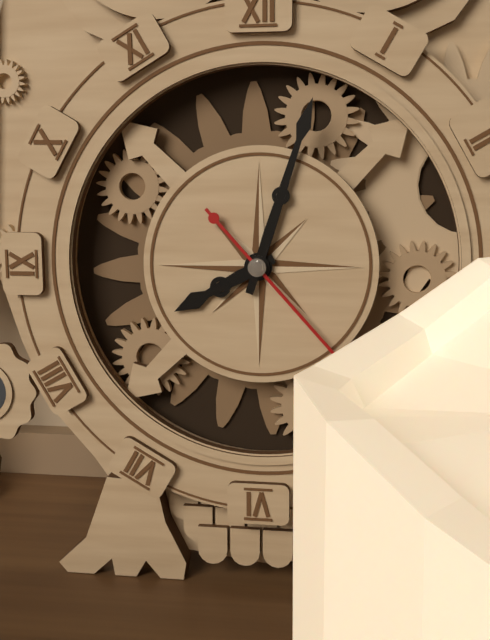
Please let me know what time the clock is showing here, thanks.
8:03
